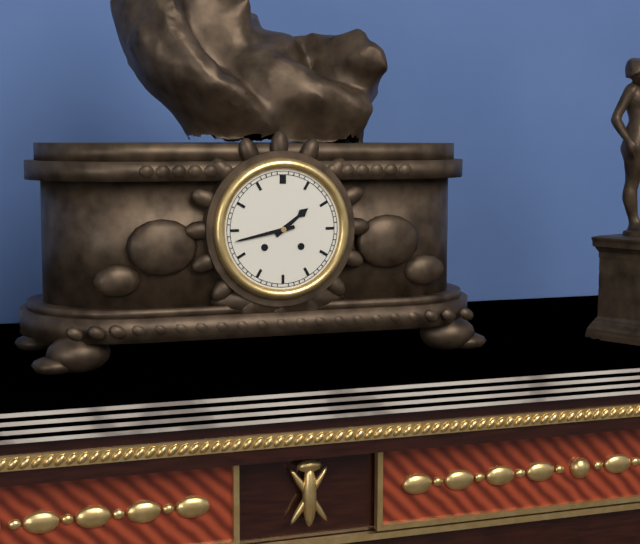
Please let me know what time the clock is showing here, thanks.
1:43
